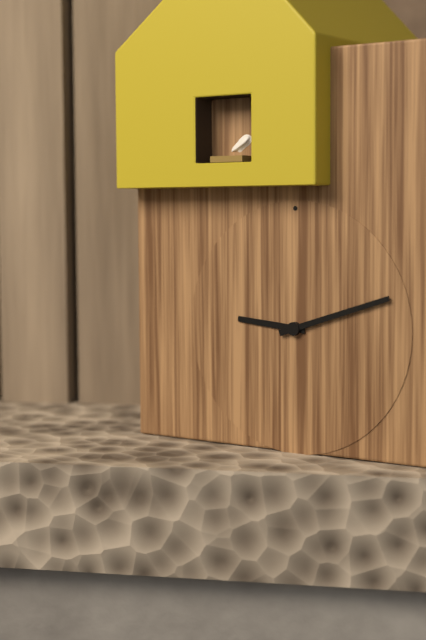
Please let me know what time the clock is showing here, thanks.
9:12
